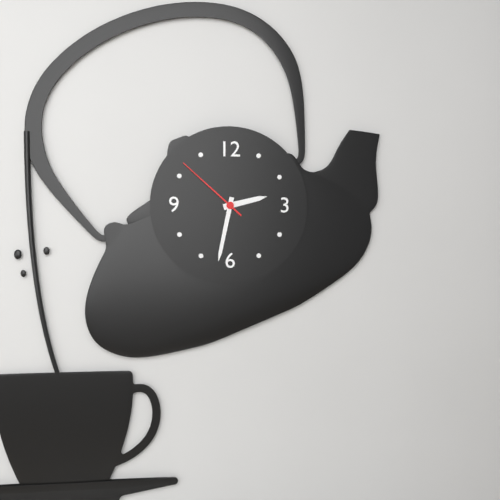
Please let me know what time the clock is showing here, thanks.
2:32:52
